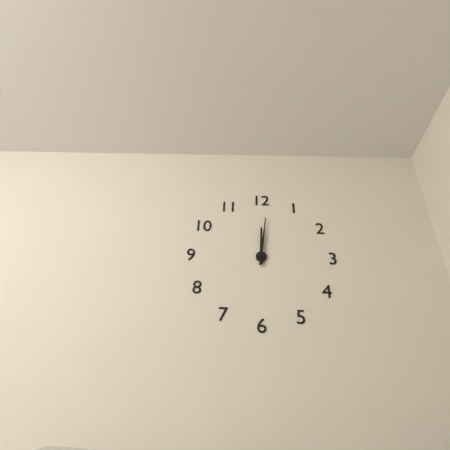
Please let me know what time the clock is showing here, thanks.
12:01
